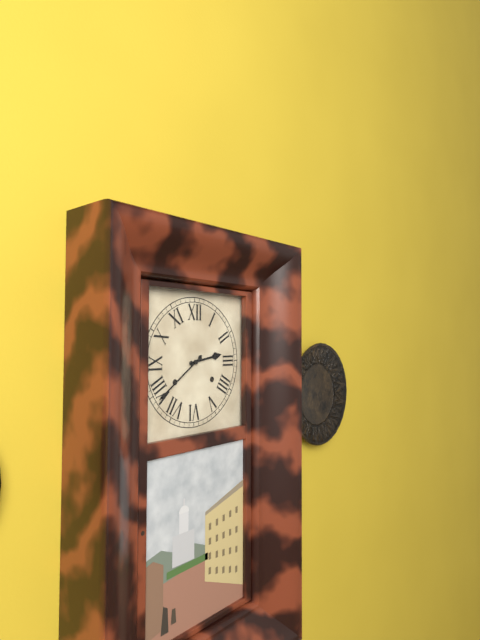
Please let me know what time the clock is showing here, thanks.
2:39
